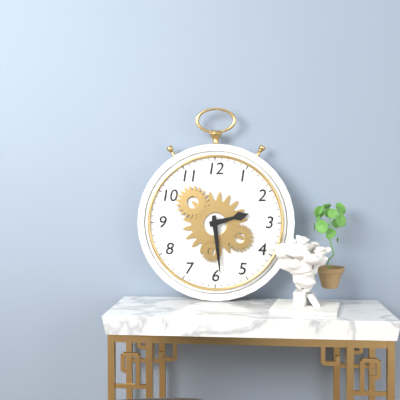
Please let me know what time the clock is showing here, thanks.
2:29
